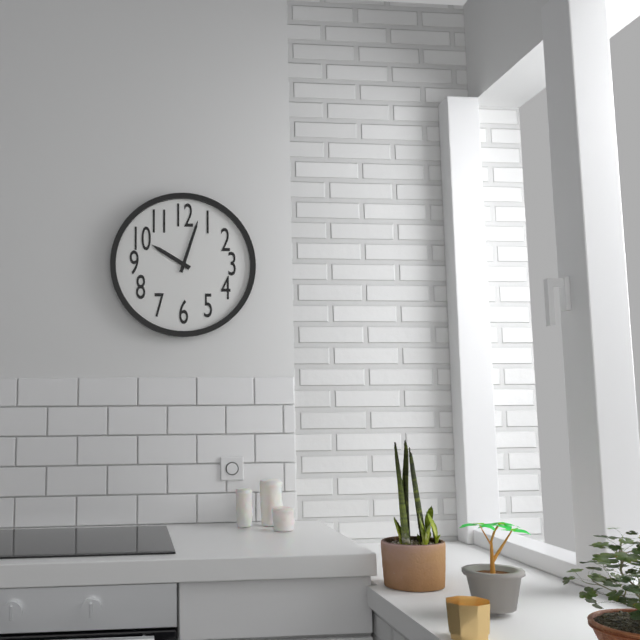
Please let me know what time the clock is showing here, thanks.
10:03
